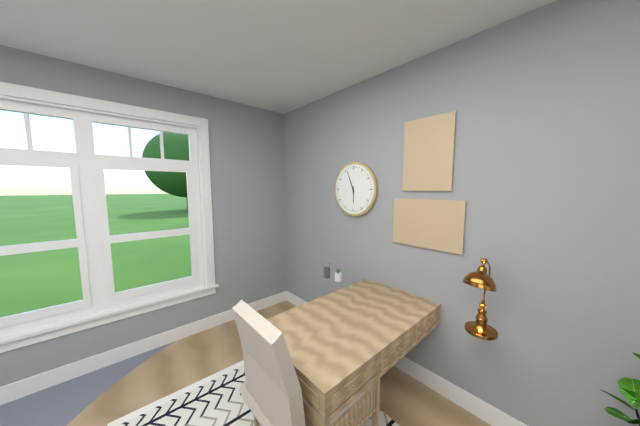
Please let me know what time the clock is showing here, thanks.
5:56
